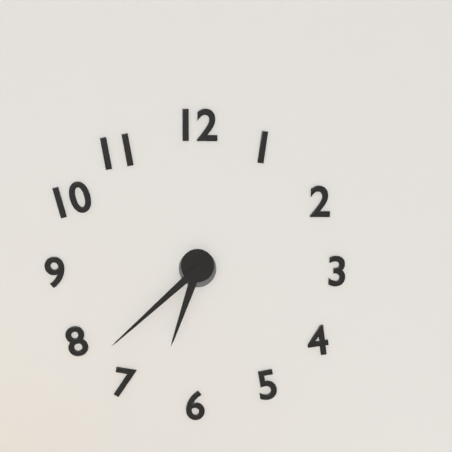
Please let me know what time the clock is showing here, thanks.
6:38
